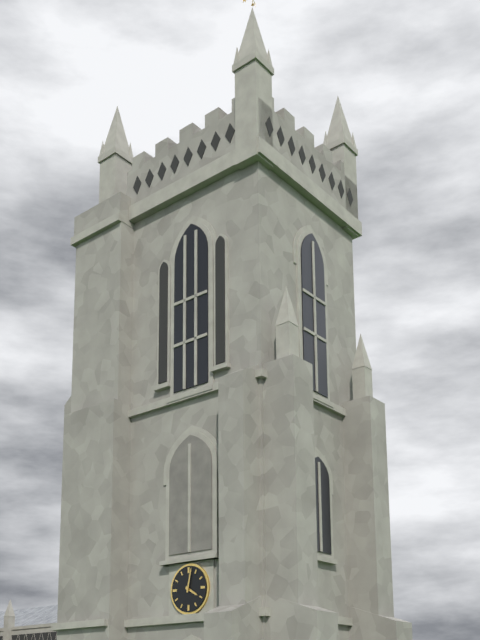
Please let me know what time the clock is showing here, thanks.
4:02
